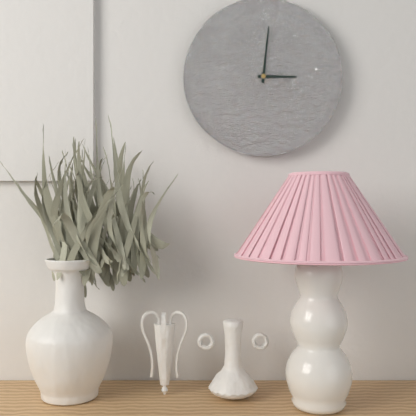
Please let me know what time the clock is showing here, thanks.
3:01
